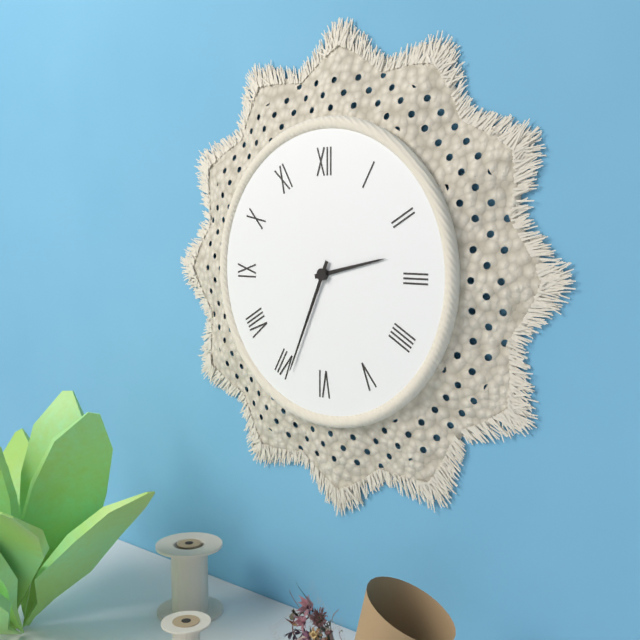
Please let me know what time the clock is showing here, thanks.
2:34
